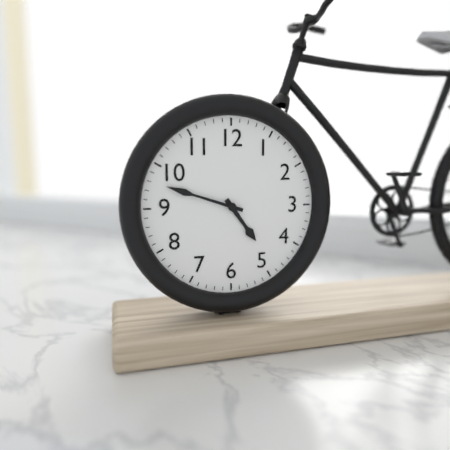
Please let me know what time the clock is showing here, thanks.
4:48
